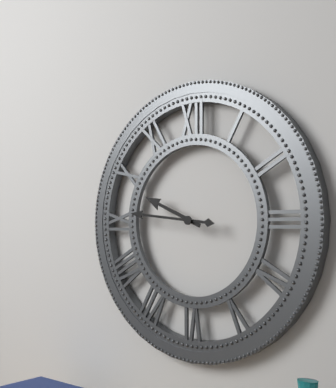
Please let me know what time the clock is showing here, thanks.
9:46
